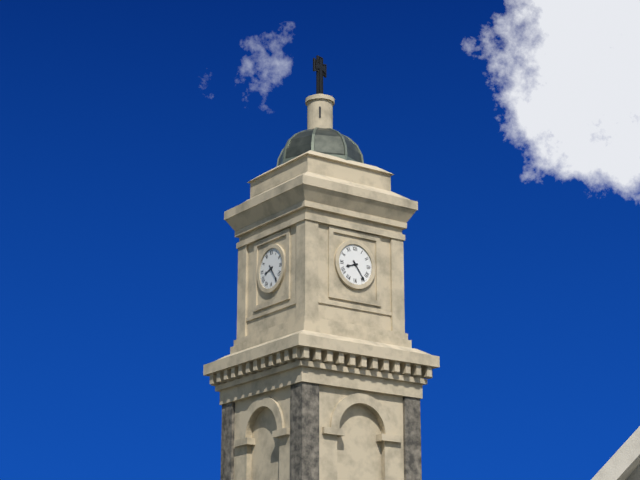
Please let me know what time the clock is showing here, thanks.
8:24
